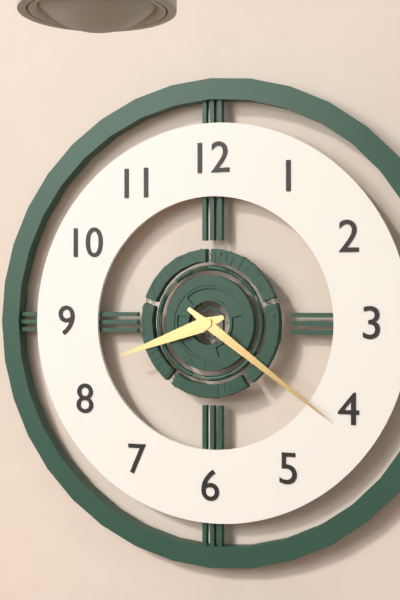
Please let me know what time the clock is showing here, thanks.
8:21
